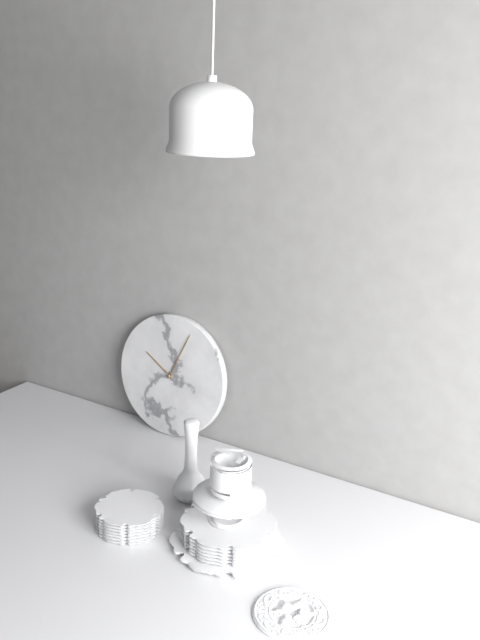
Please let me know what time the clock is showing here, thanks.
10:04
